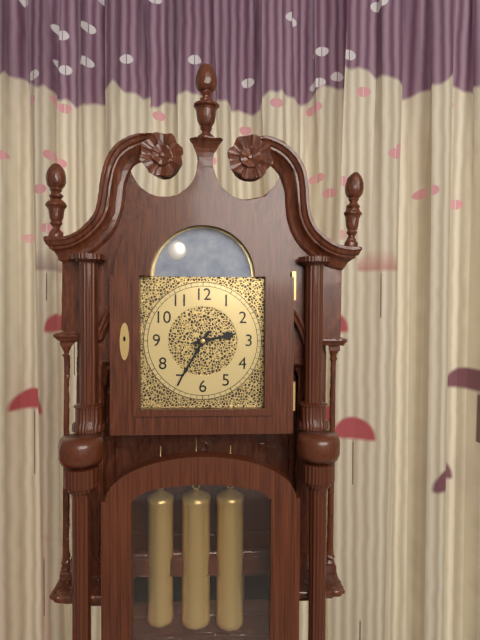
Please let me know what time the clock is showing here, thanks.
2:35
